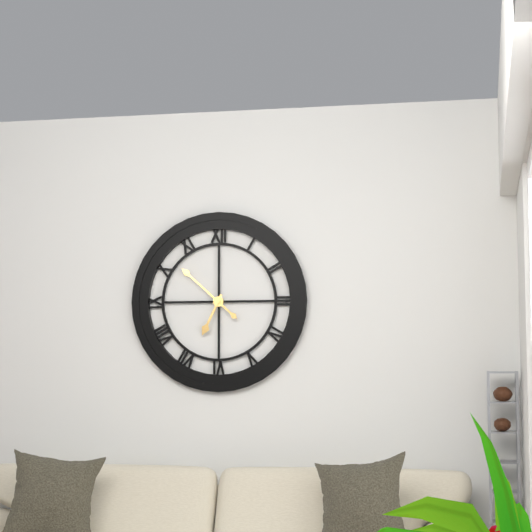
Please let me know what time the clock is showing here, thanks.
6:52
